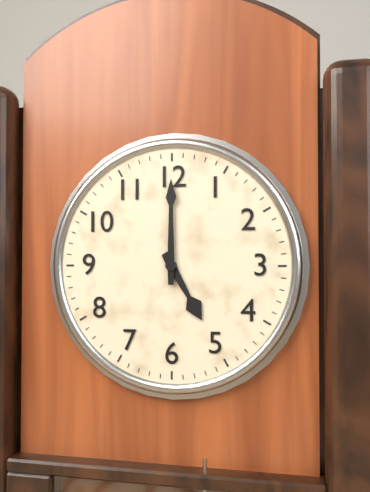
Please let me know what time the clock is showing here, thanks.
5:00
